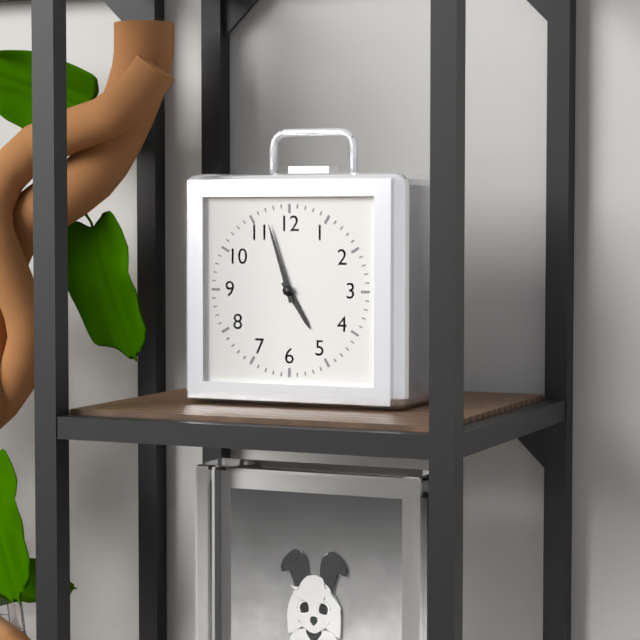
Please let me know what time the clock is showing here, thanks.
4:57
